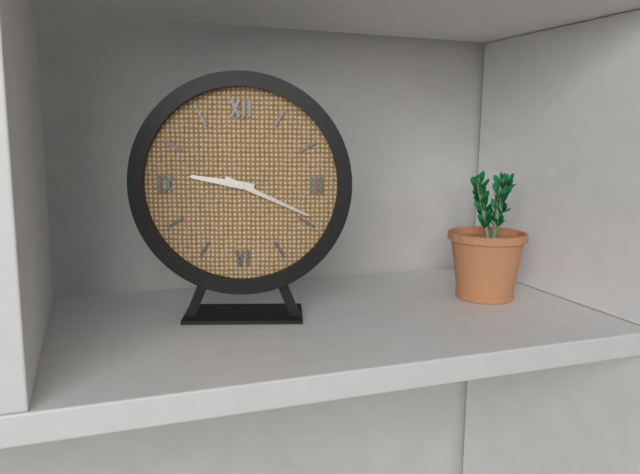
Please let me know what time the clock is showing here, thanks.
9:19
